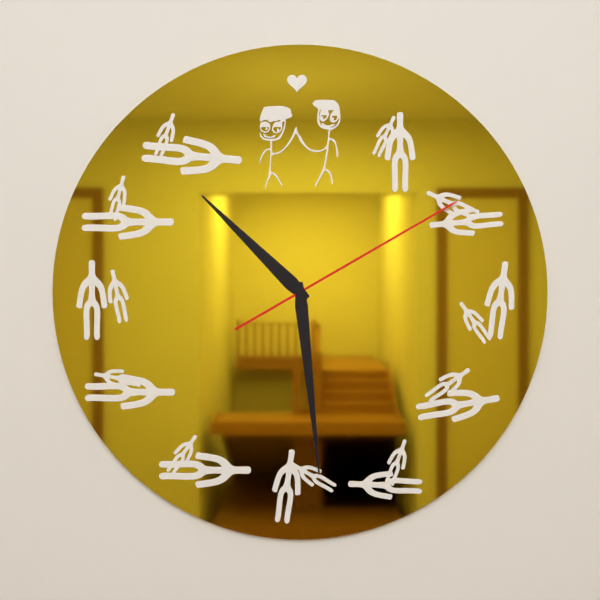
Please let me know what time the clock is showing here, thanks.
10:29:10
